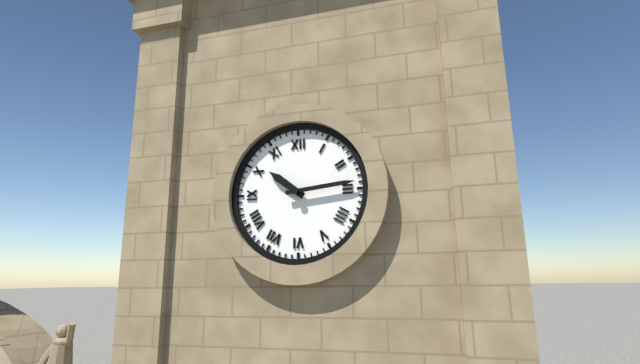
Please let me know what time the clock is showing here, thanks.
10:14
